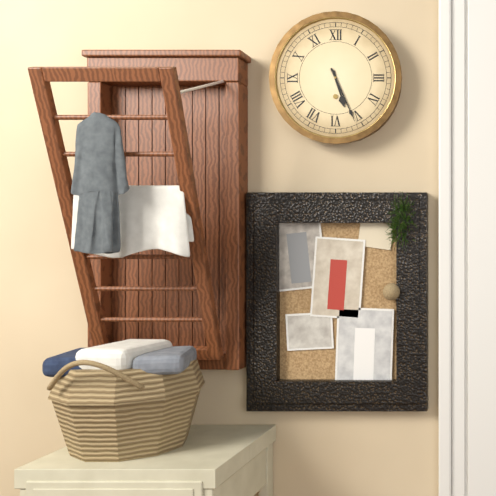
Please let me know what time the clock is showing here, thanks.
5:26
